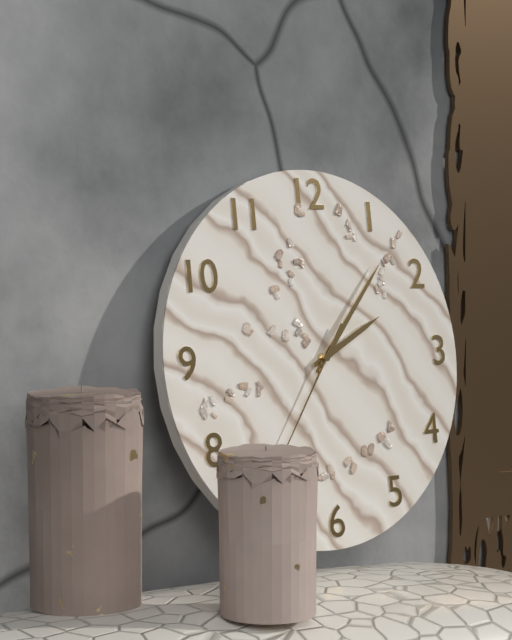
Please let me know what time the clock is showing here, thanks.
2:07:36
